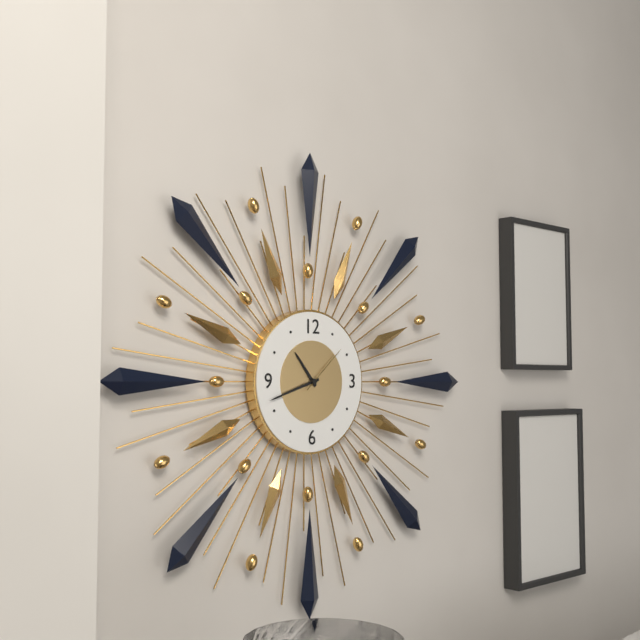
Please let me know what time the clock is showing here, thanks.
10:42:08
